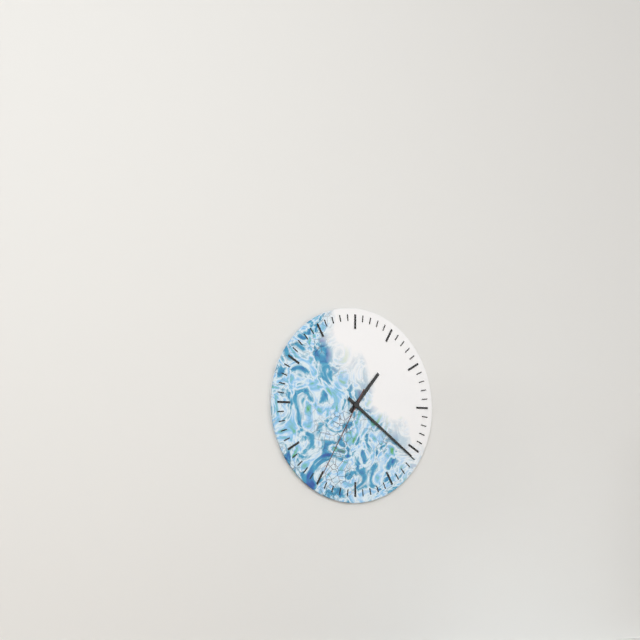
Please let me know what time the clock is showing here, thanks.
1:21:35
